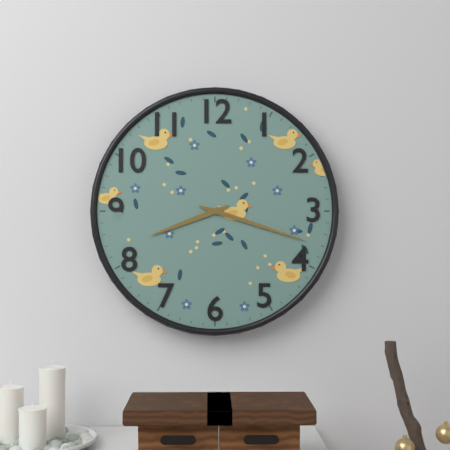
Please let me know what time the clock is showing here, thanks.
8:18
